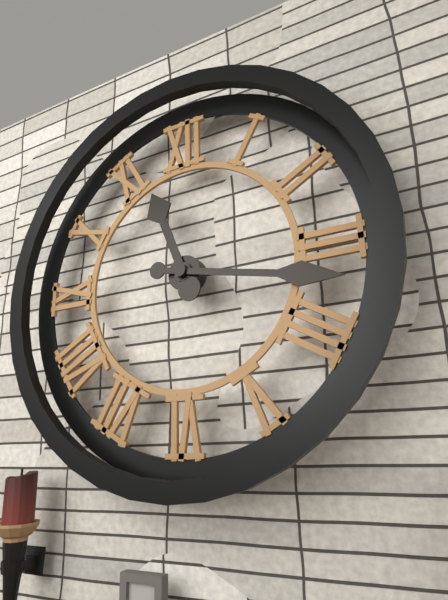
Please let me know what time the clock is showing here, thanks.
11:17
